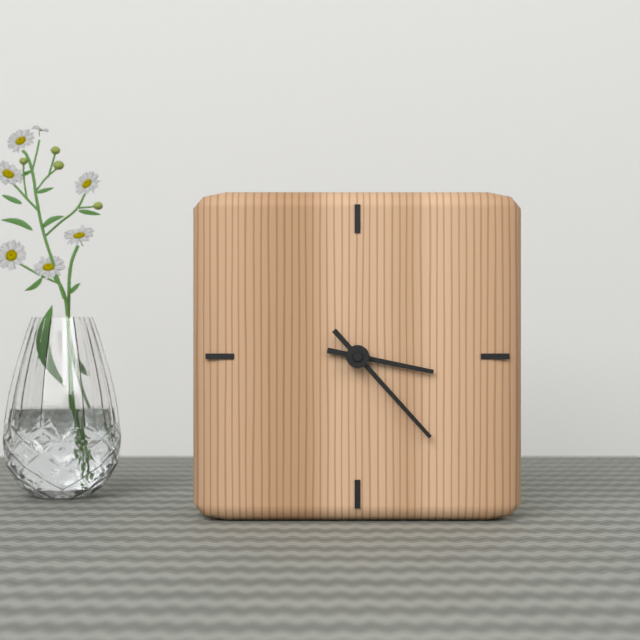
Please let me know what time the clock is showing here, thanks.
3:23
